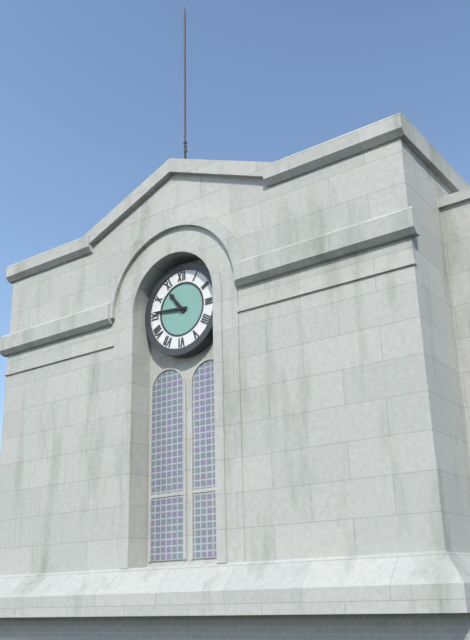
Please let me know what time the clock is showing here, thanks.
10:46
